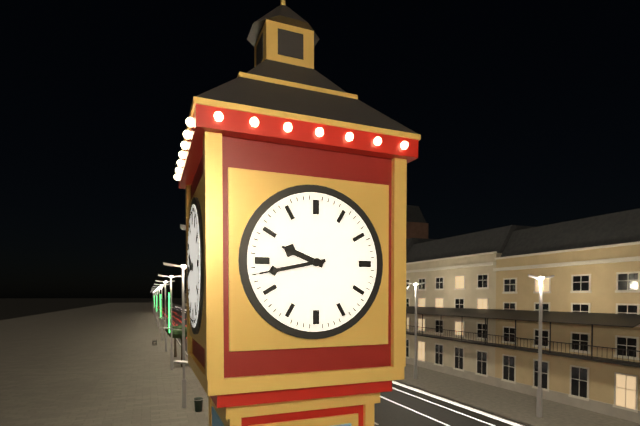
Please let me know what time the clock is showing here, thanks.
9:43
